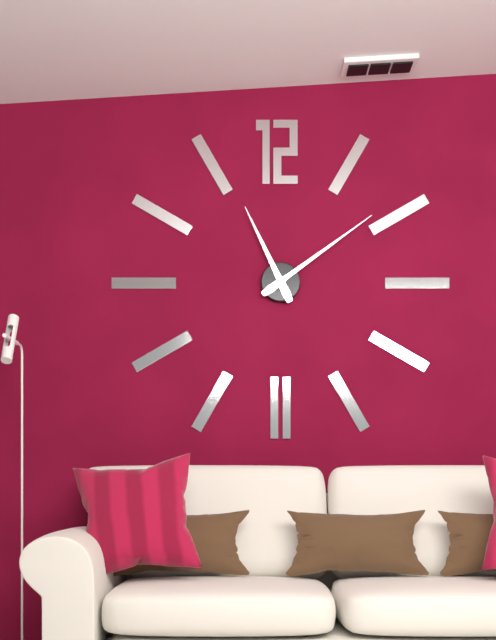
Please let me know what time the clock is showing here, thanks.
11:09
